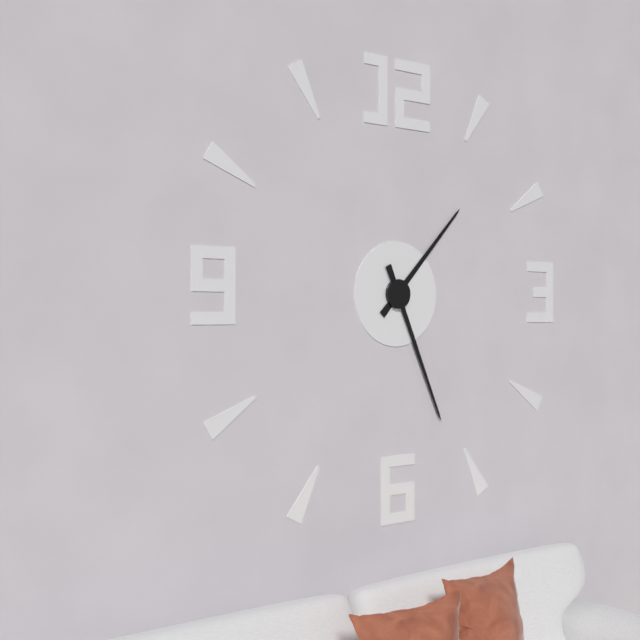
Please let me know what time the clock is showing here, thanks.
1:26
